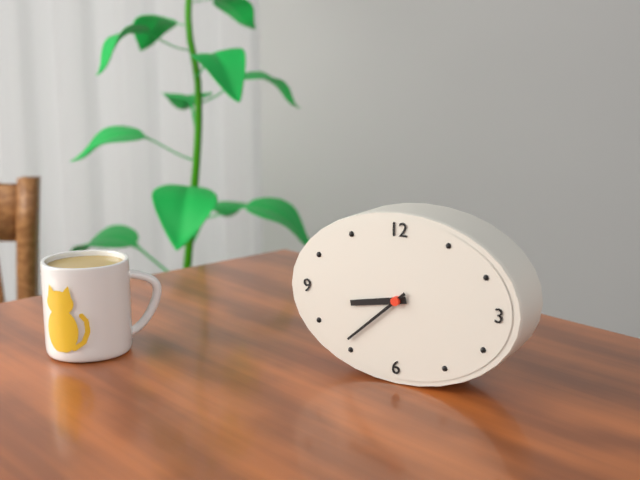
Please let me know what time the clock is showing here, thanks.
8:38
